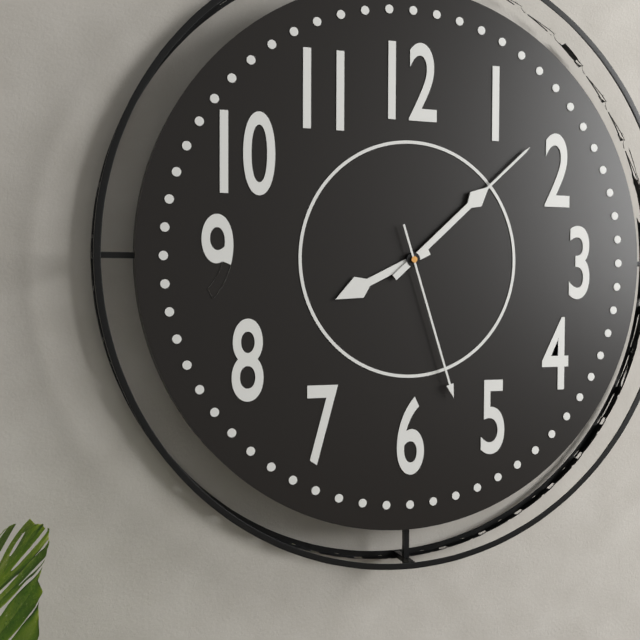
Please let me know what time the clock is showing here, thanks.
8:08:27
